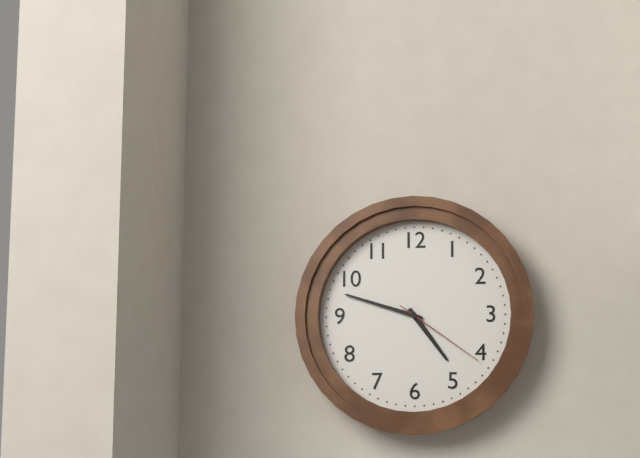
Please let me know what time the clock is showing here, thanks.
4:48:21
